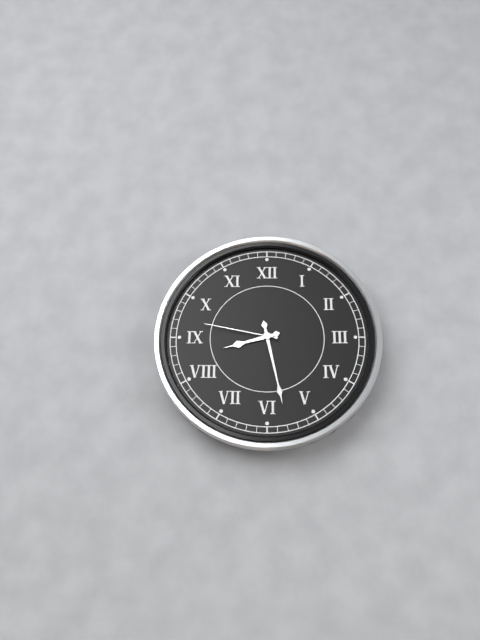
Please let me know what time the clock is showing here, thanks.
8:28:47
